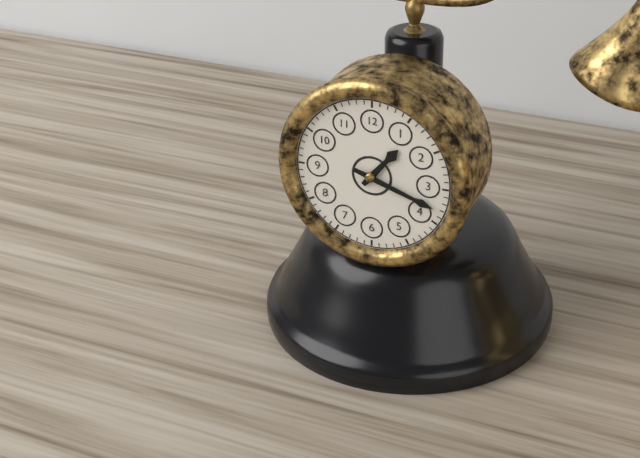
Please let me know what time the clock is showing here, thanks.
1:18
